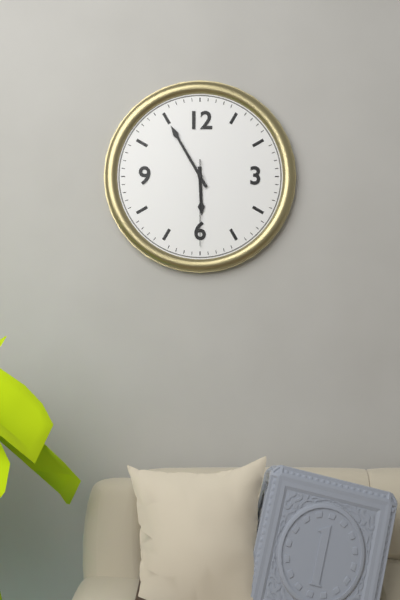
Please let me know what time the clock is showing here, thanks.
5:55:30
